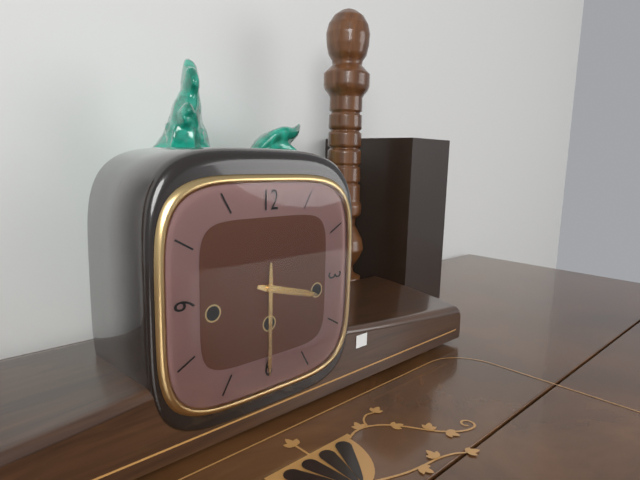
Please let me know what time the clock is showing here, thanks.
3:30
